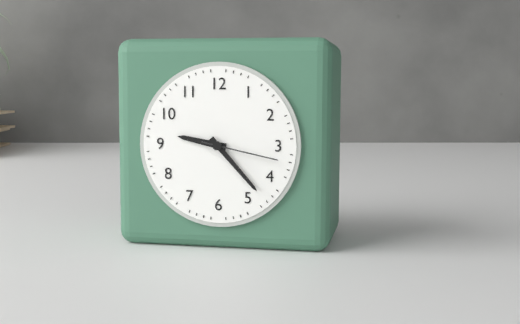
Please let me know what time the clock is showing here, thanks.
9:23:17
